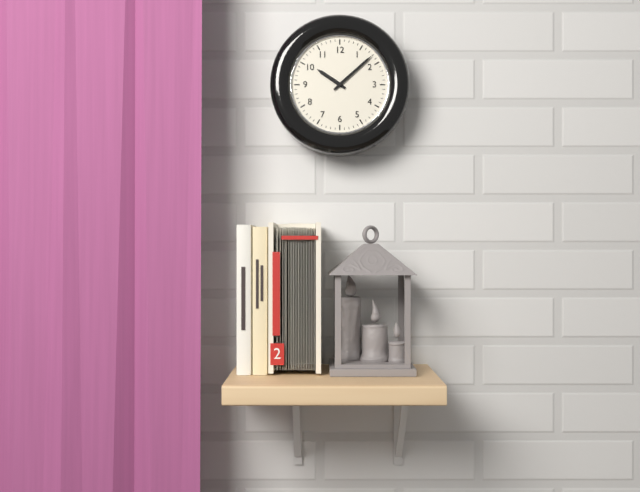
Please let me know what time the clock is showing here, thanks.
10:08
